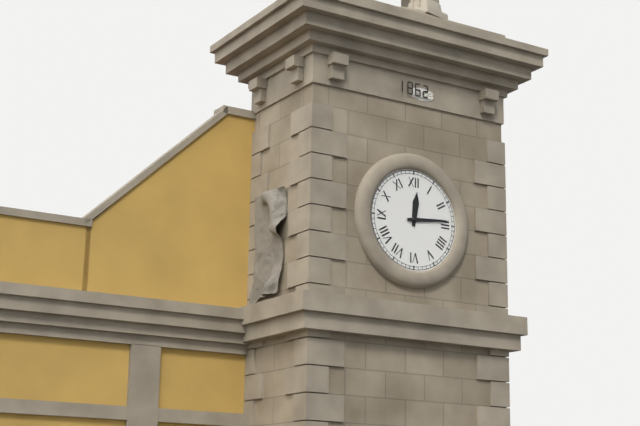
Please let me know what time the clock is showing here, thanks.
12:14
